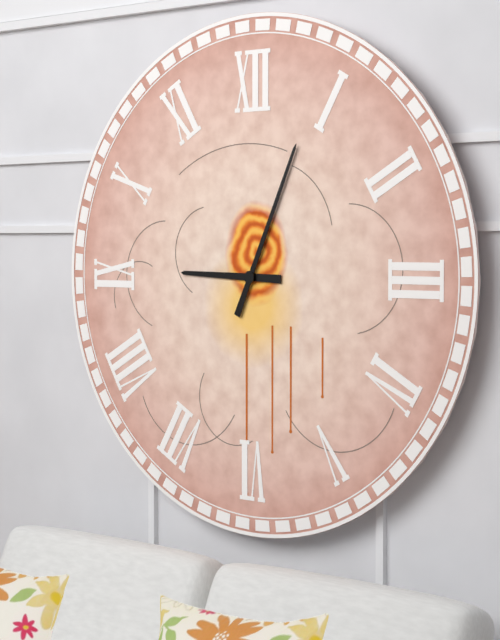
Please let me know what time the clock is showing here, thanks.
9:04
